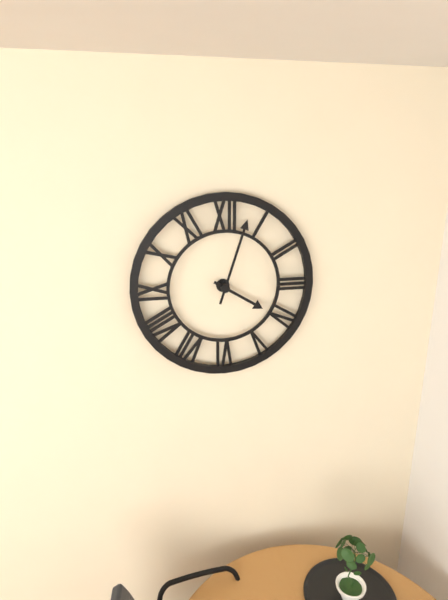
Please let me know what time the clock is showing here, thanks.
4:03
